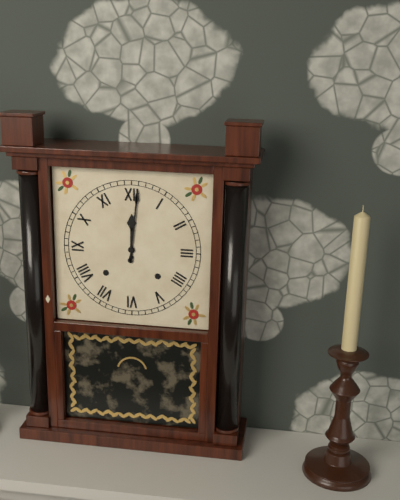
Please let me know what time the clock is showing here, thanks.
12:01
